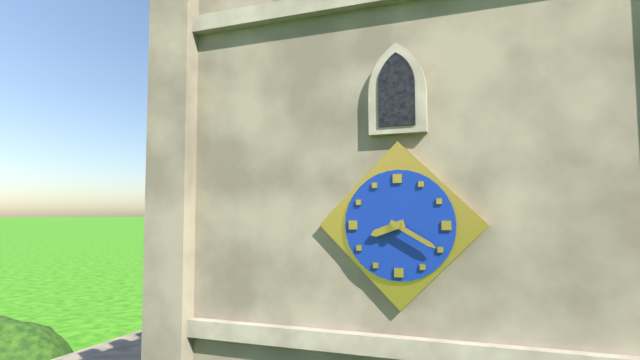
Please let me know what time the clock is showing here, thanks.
8:20
